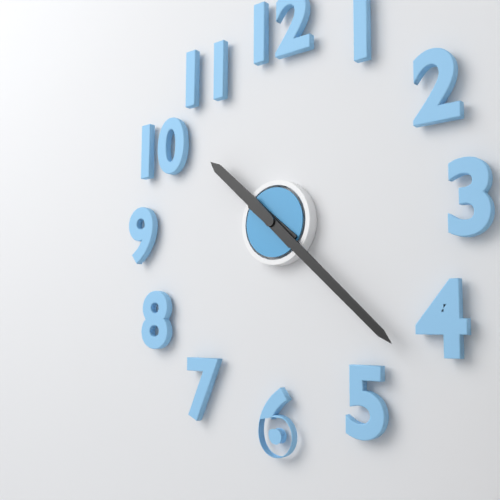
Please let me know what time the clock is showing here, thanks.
10:22
